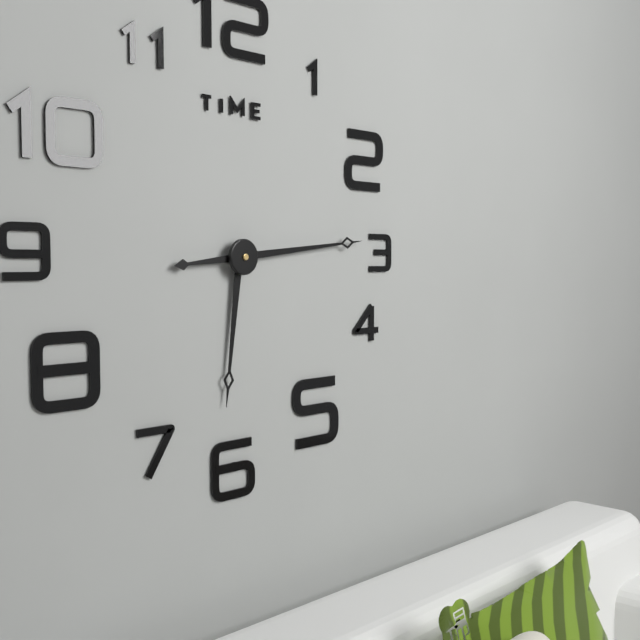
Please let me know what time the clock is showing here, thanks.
6:14
